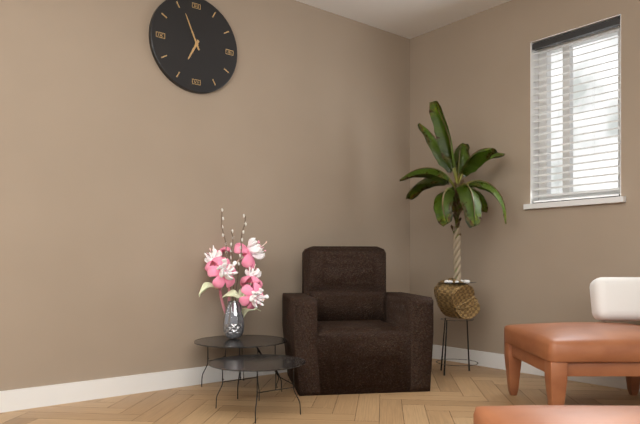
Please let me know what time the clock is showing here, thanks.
6:56
